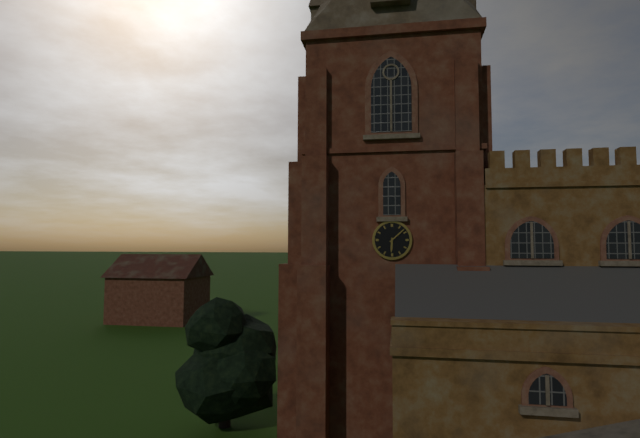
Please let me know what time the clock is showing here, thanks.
6:08
